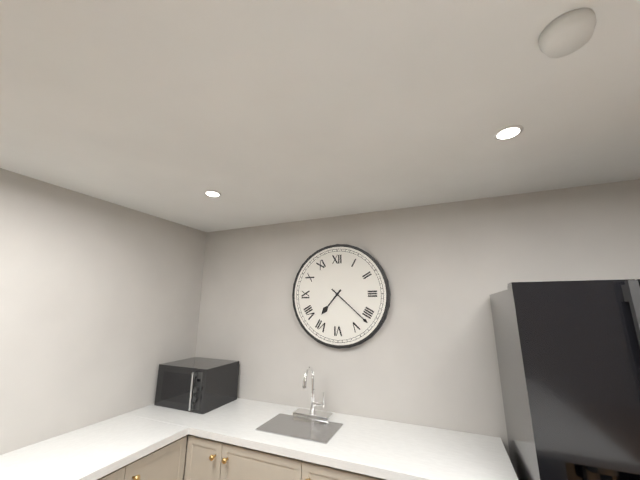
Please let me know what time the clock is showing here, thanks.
7:22
